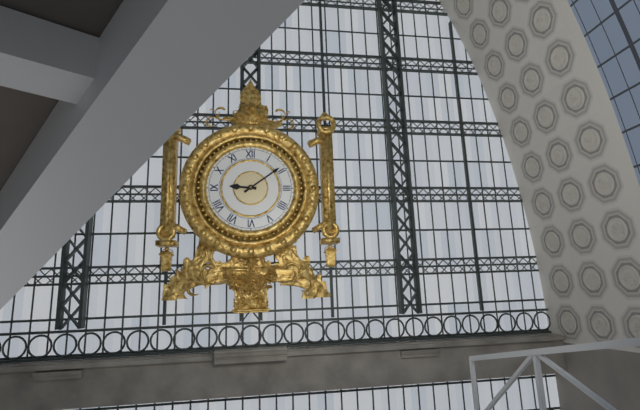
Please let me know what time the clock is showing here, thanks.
9:09
